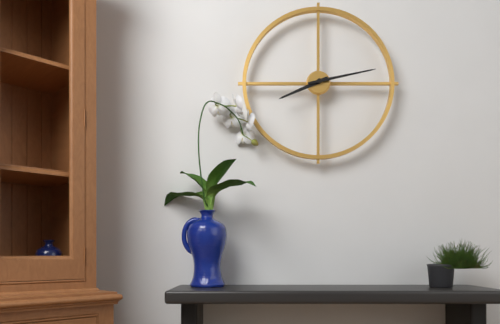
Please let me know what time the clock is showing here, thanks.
8:13
